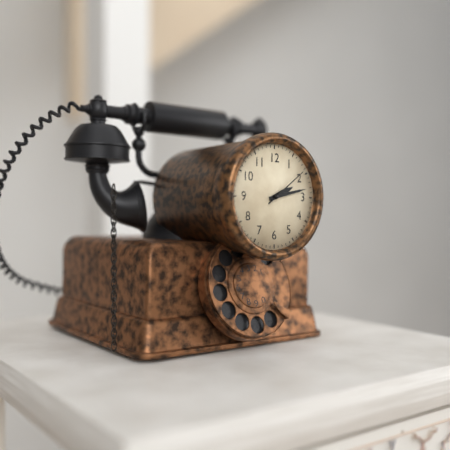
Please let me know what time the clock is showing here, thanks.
2:13
